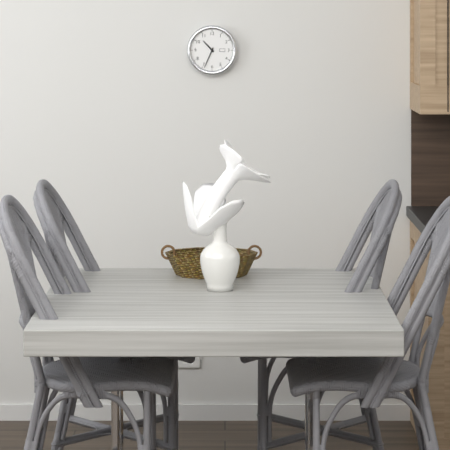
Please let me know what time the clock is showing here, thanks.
10:34
